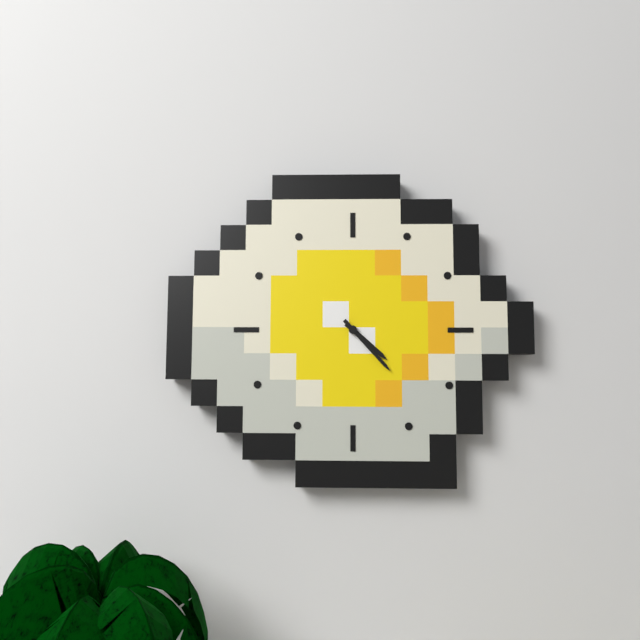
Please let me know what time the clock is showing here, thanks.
4:23
